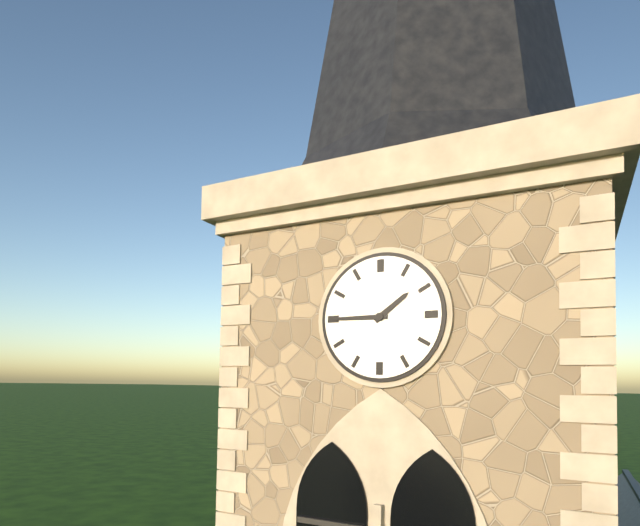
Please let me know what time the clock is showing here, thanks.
1:45
